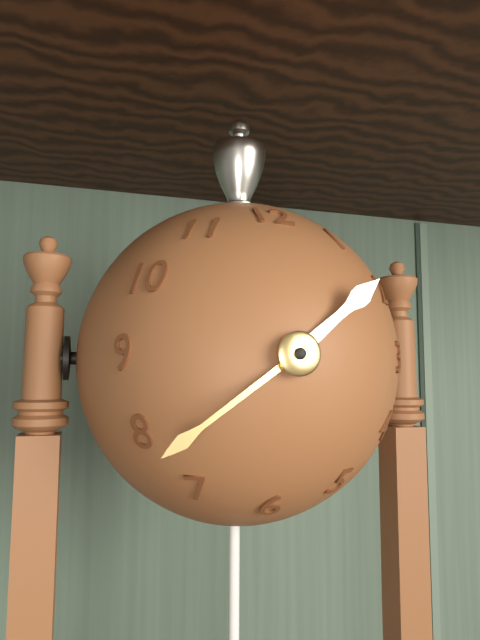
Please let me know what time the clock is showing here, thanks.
1:39
